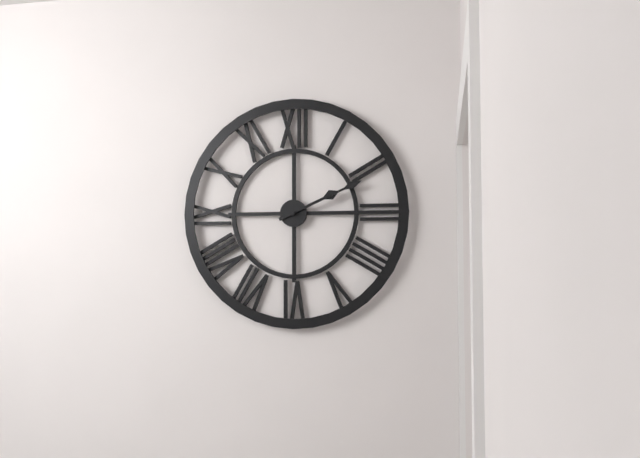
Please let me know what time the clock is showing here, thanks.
2:11
